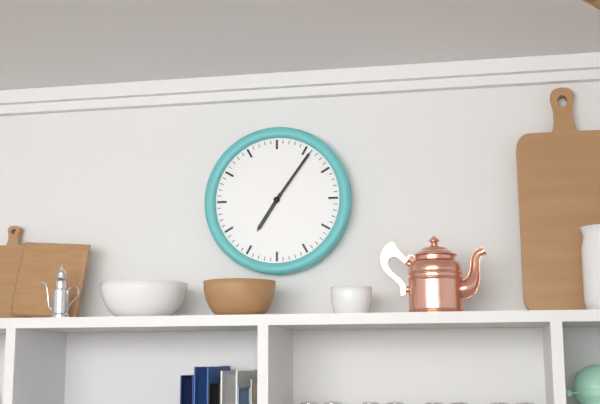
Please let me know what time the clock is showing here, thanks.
7:06
